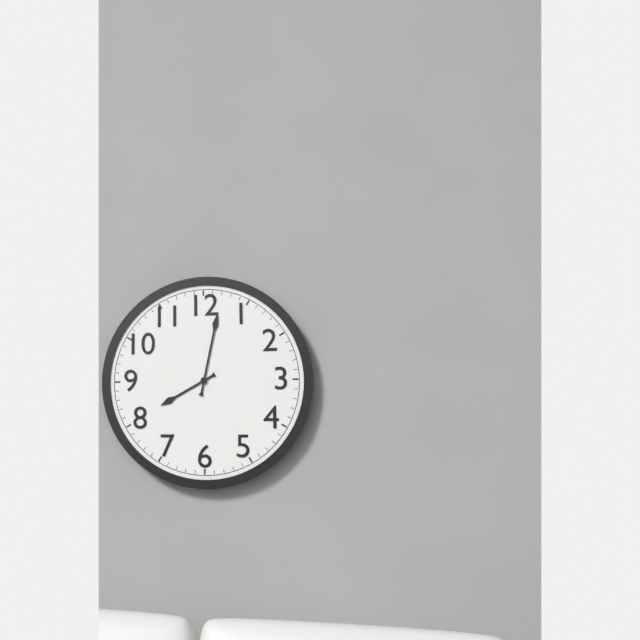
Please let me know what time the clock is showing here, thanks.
8:02
